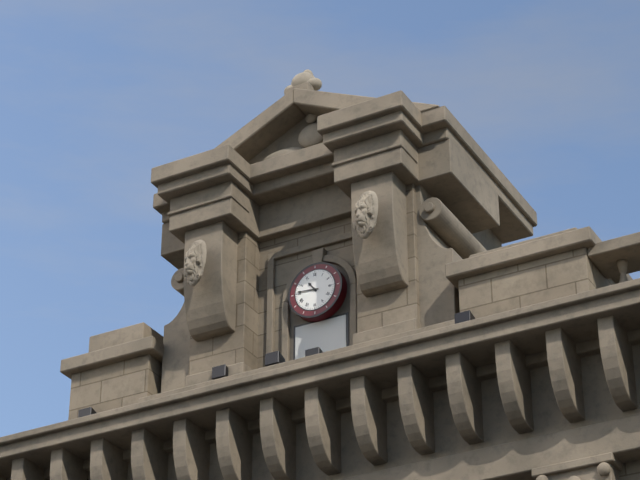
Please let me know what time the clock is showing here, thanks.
10:46
